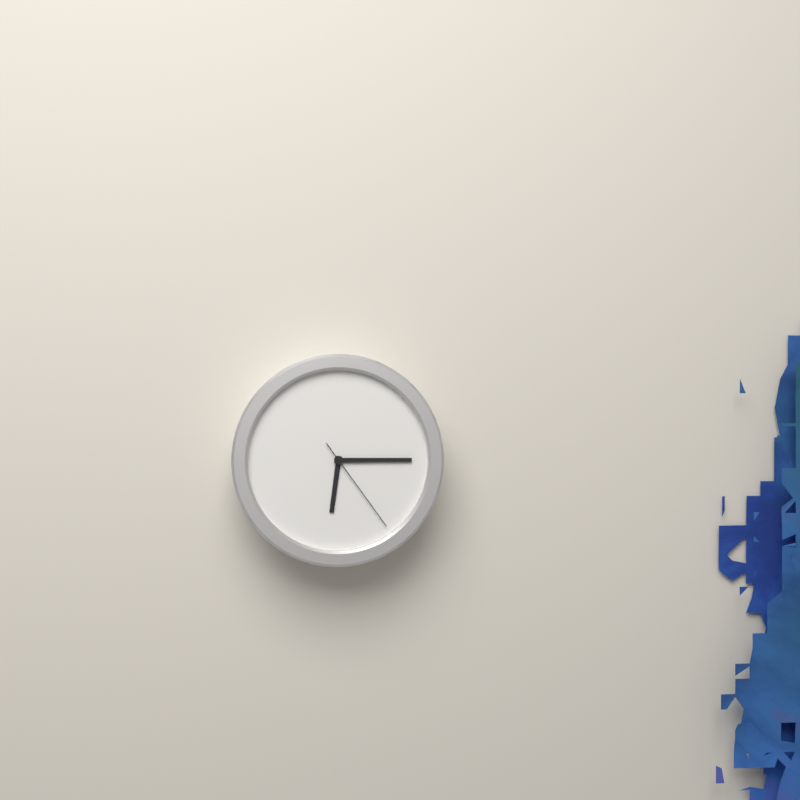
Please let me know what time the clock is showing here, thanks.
6:15:24
